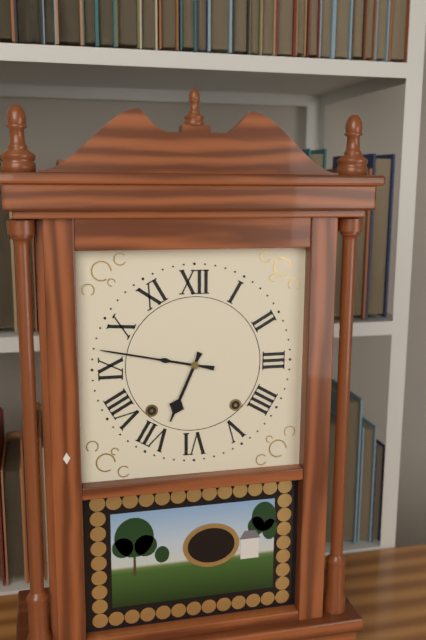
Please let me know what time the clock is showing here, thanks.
6:47
